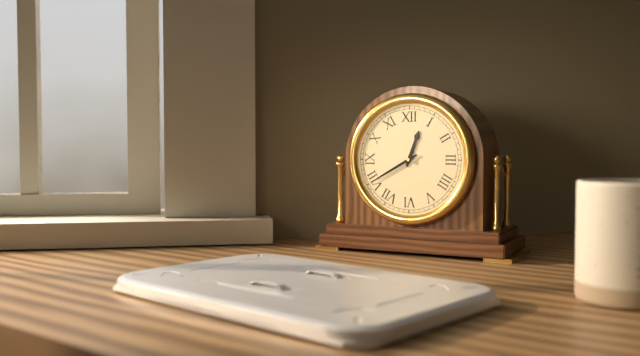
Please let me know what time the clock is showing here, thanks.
12:40
